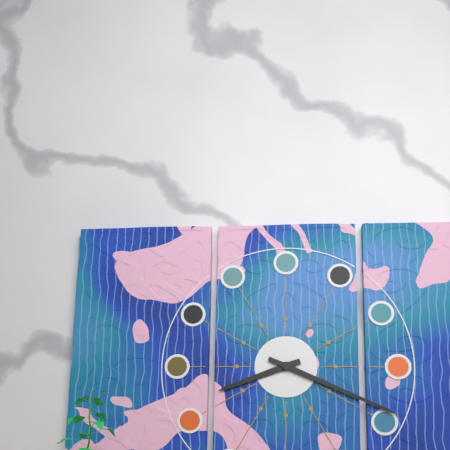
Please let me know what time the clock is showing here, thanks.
8:19
